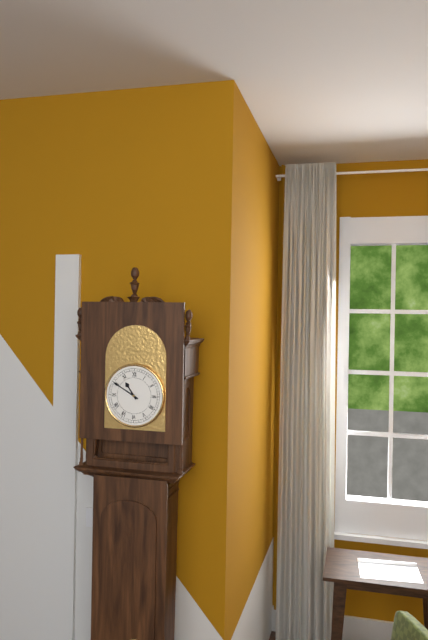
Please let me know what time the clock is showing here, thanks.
10:50
